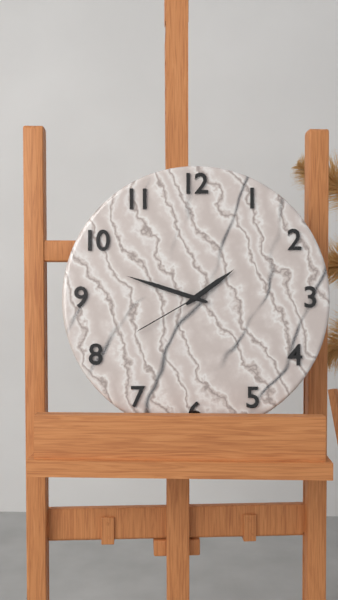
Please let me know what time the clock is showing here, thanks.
1:48:40
